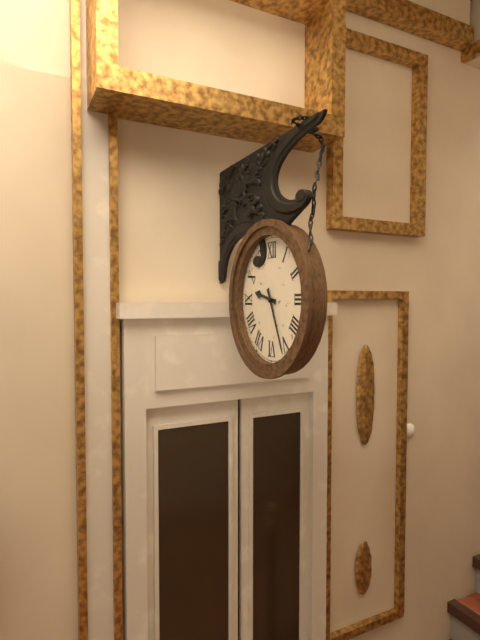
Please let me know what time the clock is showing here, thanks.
9:26
